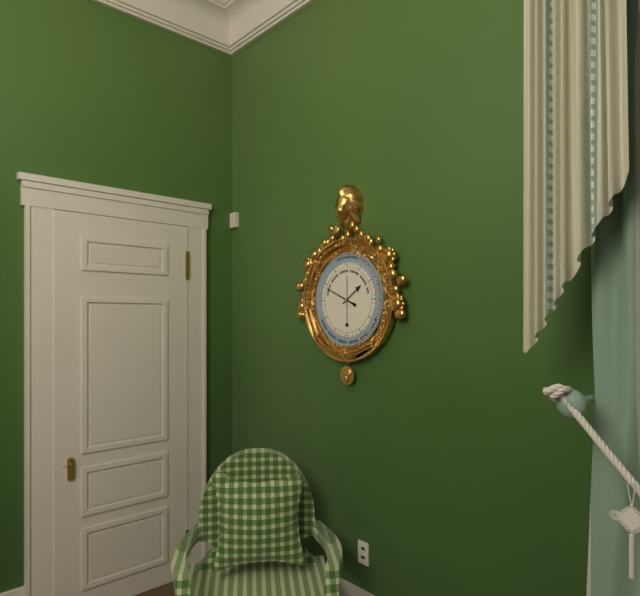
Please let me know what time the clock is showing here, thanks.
1:49
